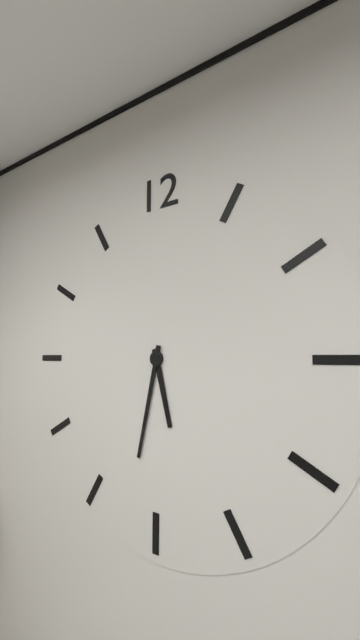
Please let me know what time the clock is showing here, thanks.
5:32
